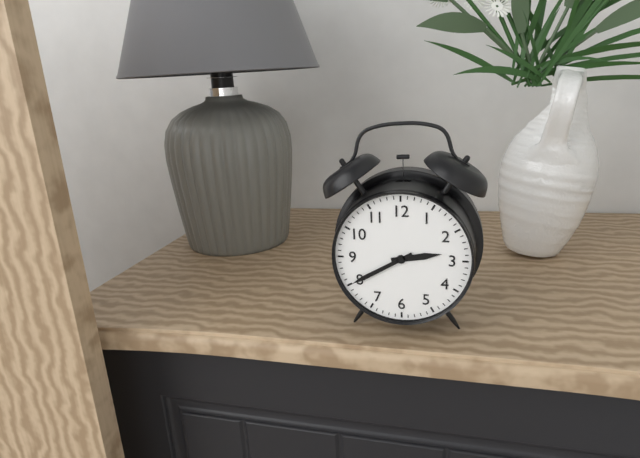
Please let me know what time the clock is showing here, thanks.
2:40
